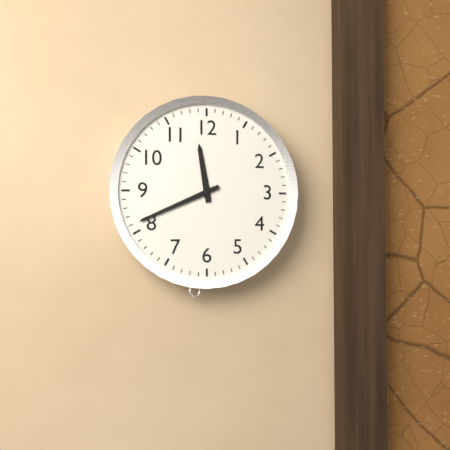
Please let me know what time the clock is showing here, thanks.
11:41
